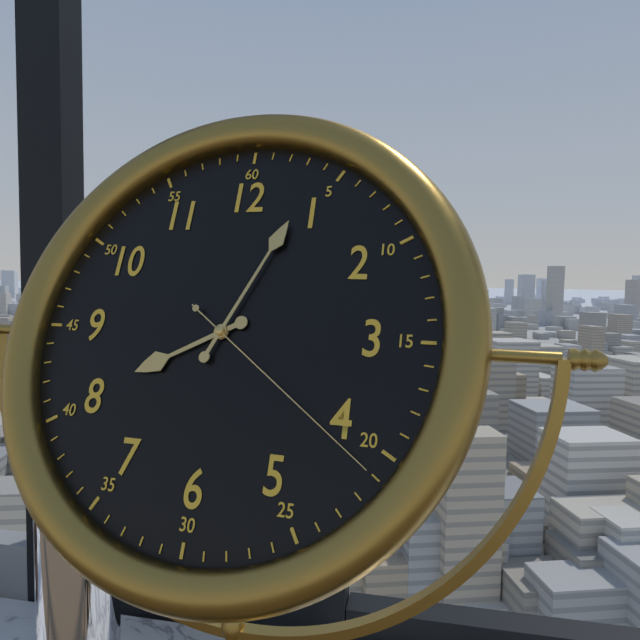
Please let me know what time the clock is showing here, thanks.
8:04:21
